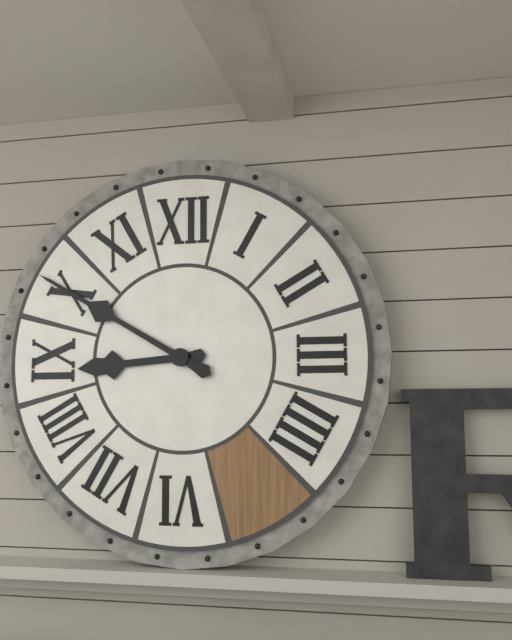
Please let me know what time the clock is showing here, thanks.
8:50
